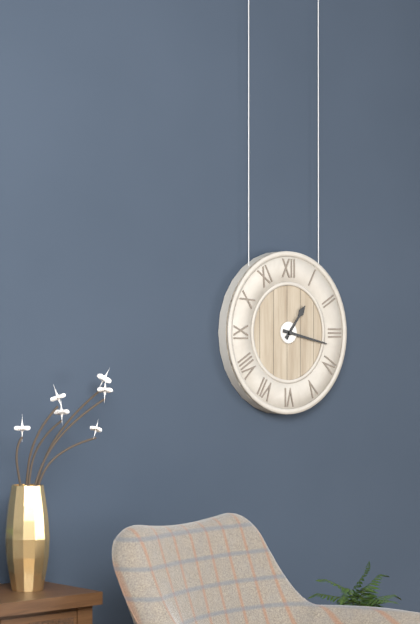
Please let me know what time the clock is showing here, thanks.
1:17
